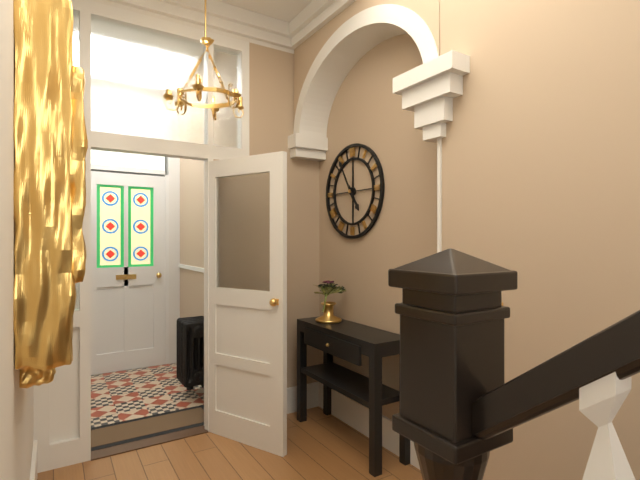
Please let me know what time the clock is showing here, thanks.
4:55
